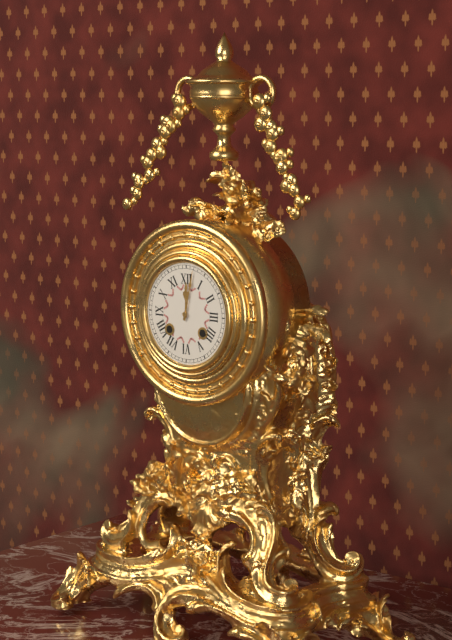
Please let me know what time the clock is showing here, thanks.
12:02
